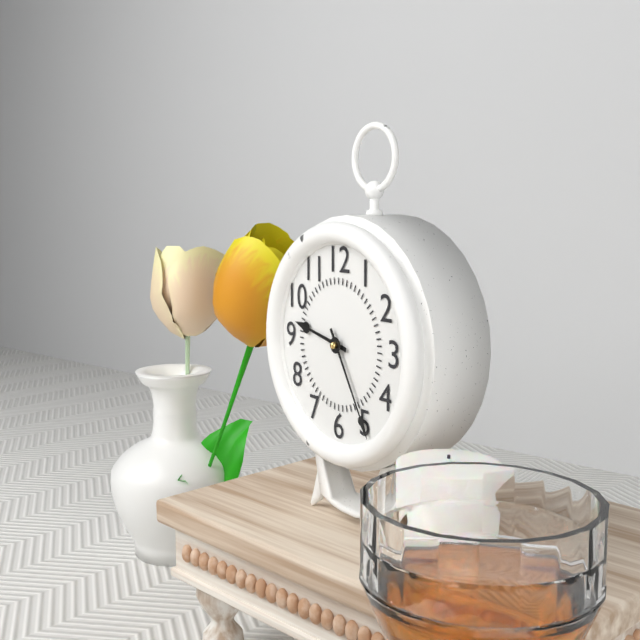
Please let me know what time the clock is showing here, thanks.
9:25
